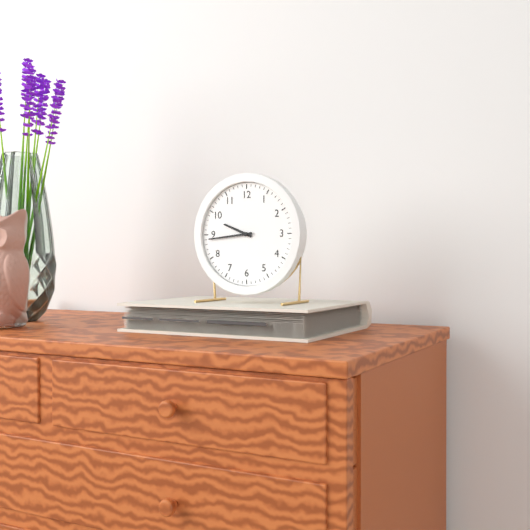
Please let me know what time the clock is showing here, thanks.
9:44
